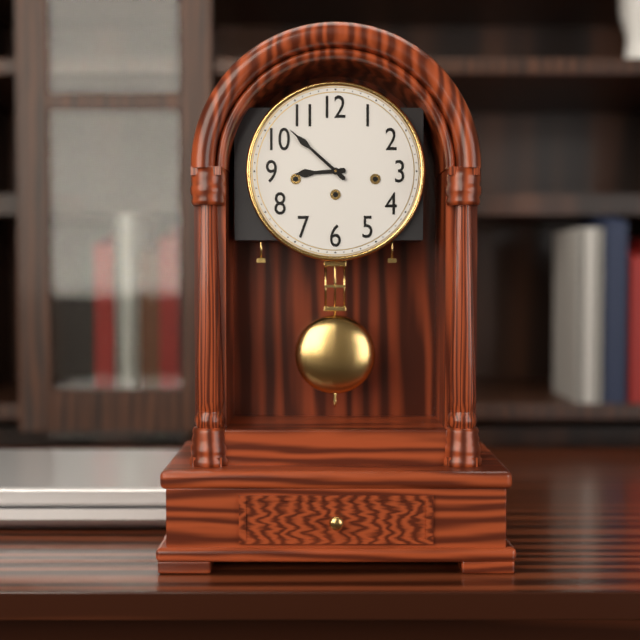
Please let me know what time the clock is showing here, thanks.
8:52
